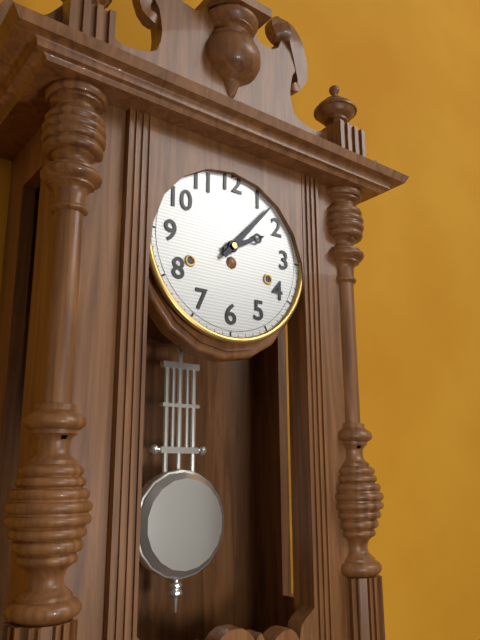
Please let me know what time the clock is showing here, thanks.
2:07
